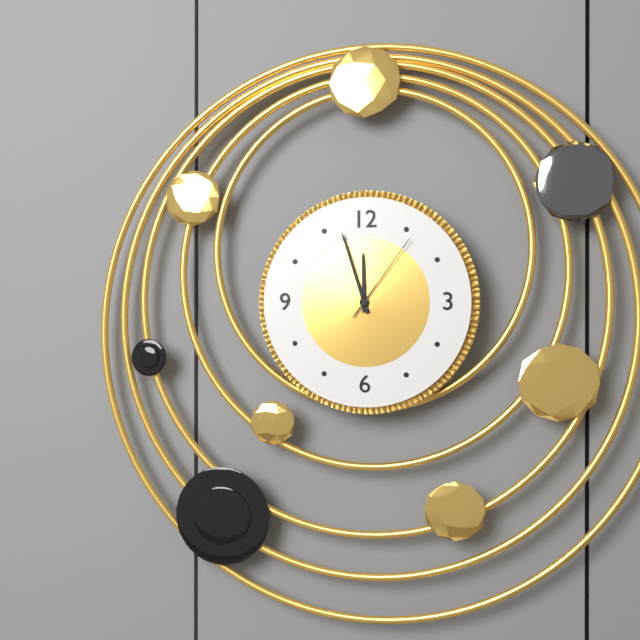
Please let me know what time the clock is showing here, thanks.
11:57:06
